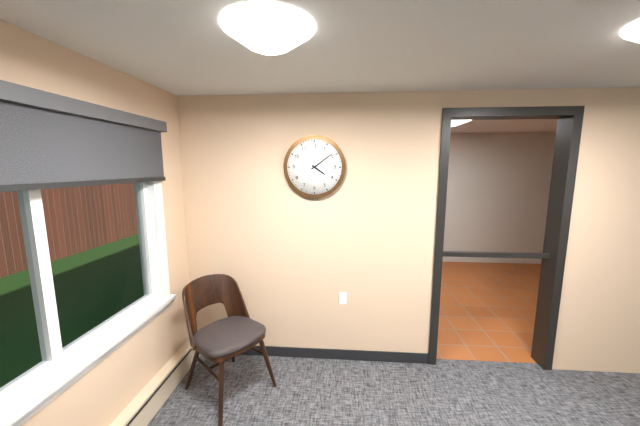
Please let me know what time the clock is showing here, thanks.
4:09
